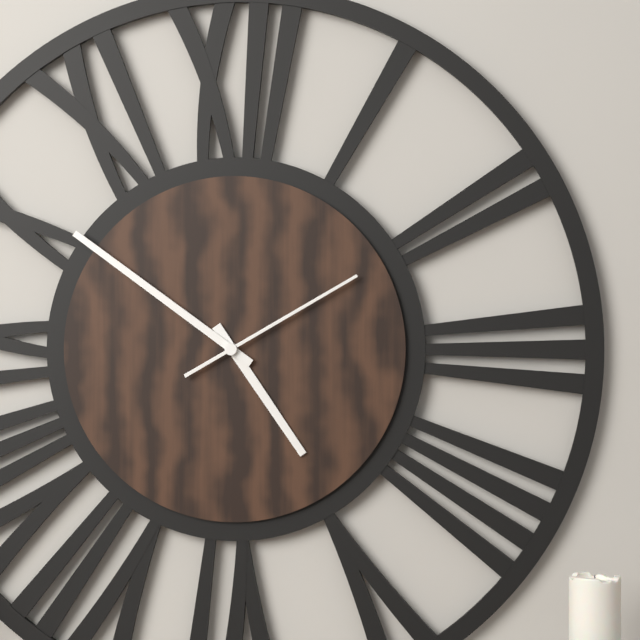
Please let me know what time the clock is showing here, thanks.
4:51:10
